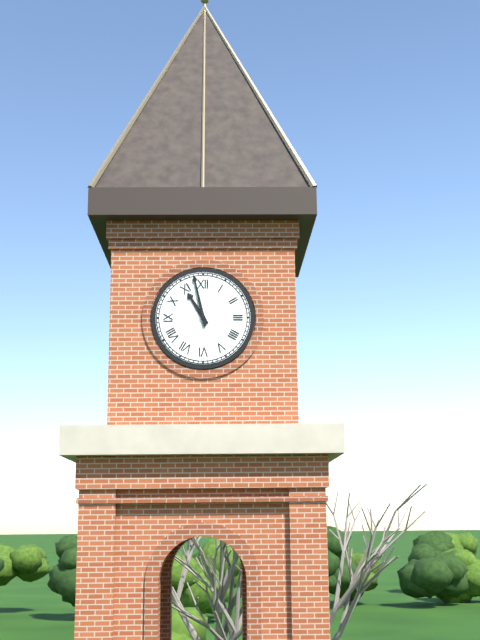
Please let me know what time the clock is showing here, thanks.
10:58
